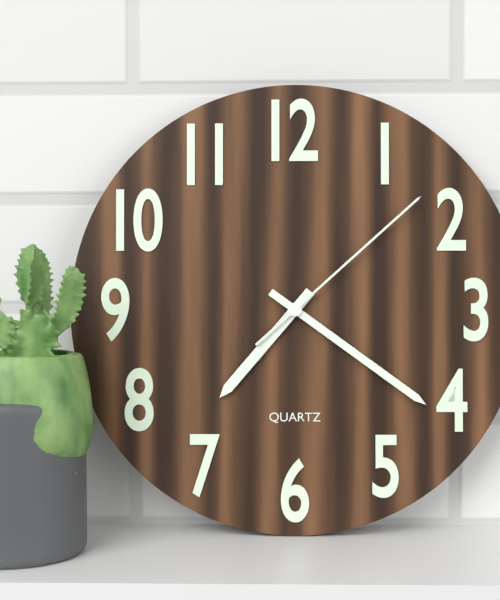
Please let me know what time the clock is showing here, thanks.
7:21:08
